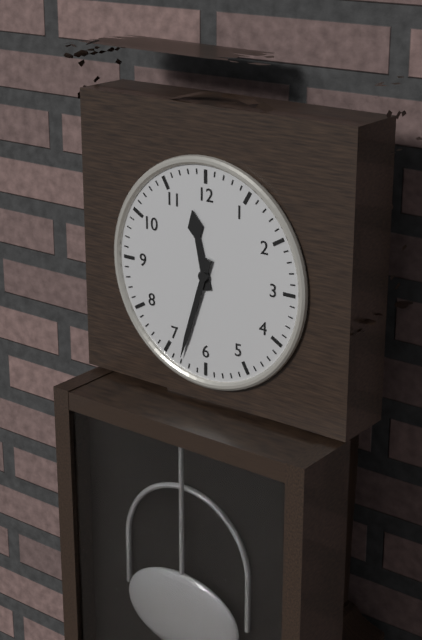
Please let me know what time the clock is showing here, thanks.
11:33
